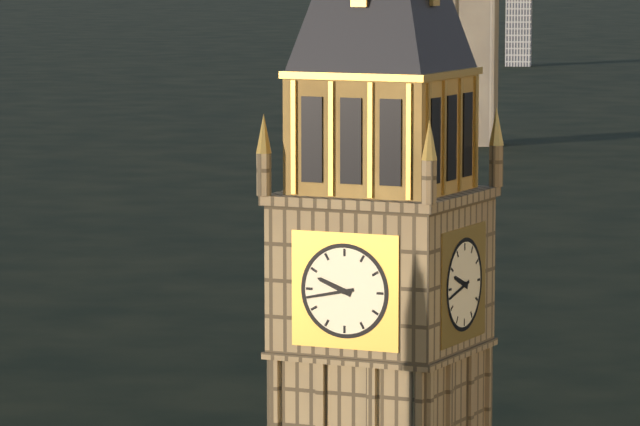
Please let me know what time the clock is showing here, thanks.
9:43
